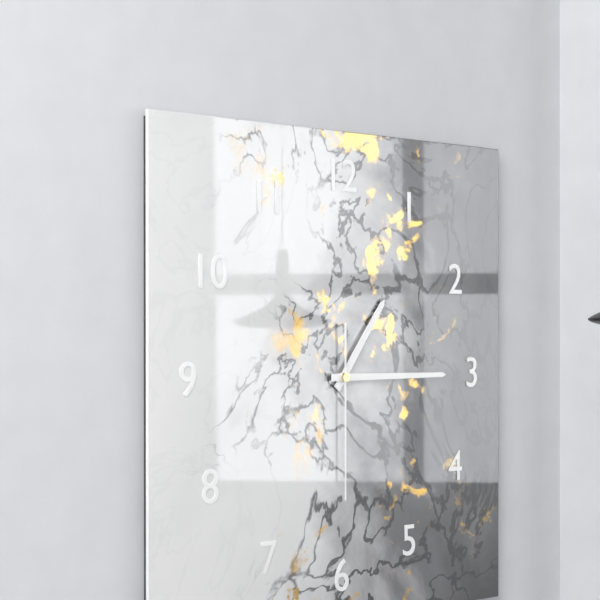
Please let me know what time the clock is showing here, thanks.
1:15:30
